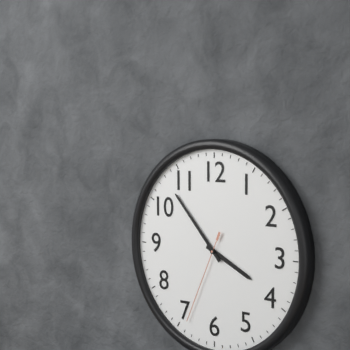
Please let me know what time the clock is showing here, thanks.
3:53:34
